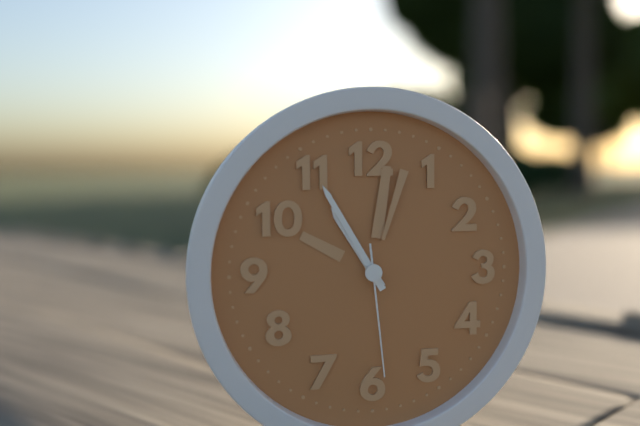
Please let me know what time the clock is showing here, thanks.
10:55:29
